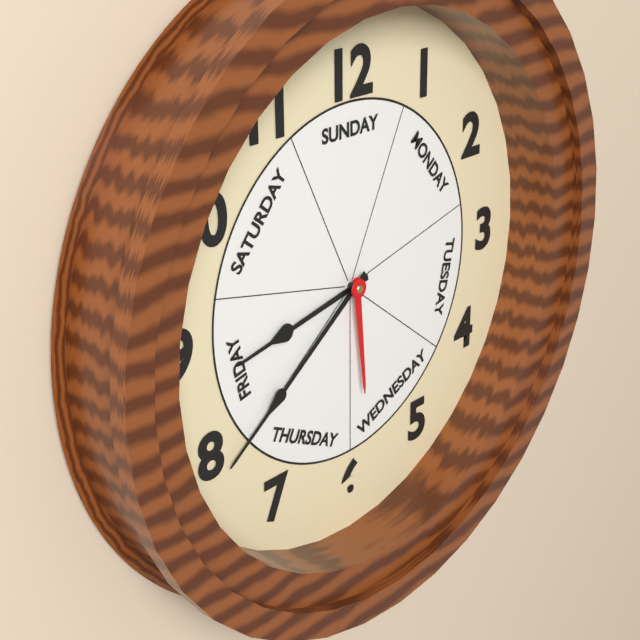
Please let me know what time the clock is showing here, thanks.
8:39:29
